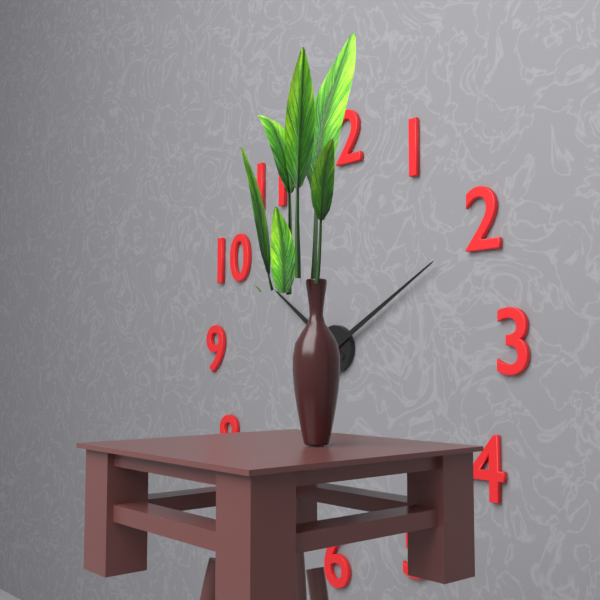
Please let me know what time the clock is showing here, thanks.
10:10
